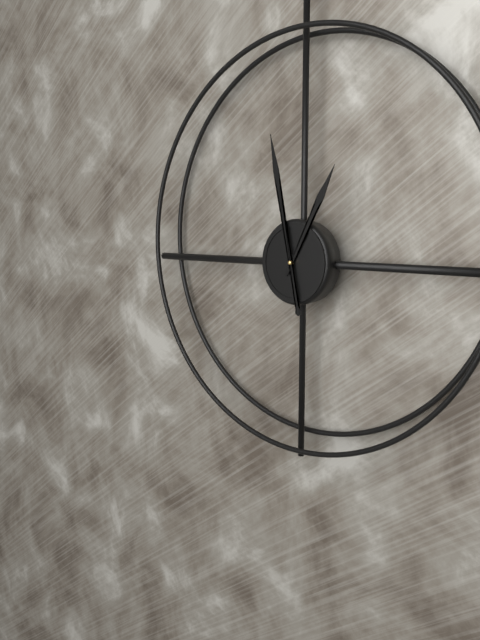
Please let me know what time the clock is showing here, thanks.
12:58
